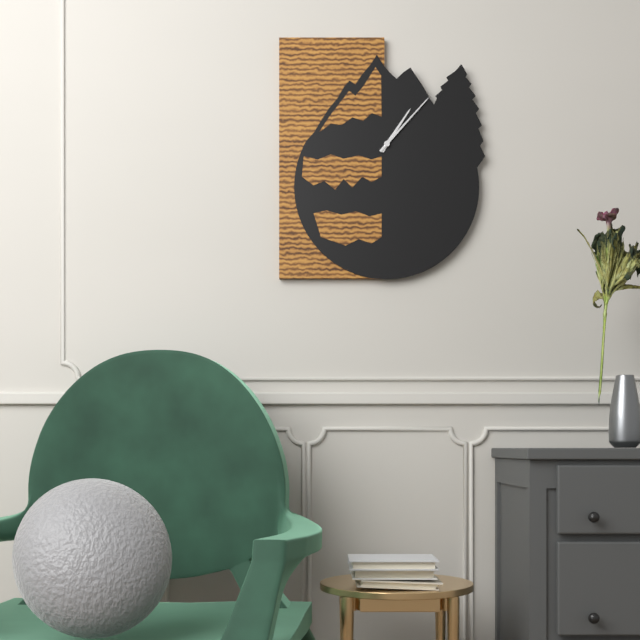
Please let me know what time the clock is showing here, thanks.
1:07
